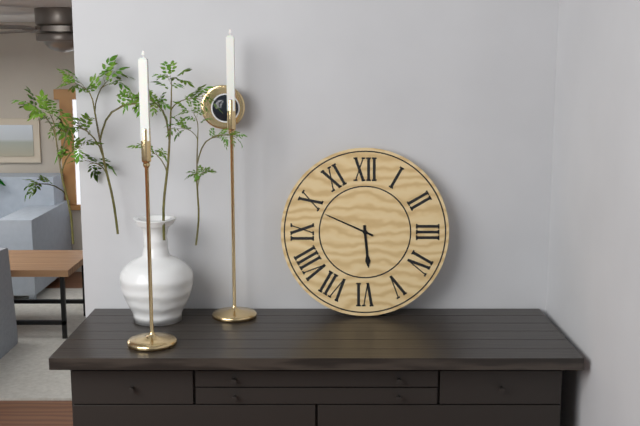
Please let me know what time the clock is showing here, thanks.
5:49
